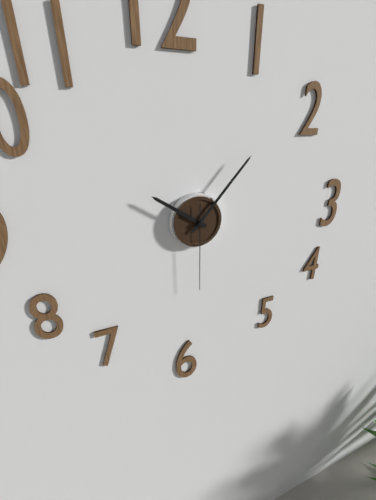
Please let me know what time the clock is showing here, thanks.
10:07:30
